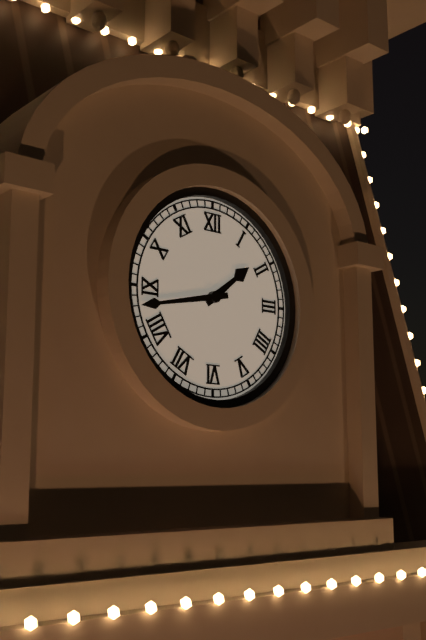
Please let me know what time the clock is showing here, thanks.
1:43
